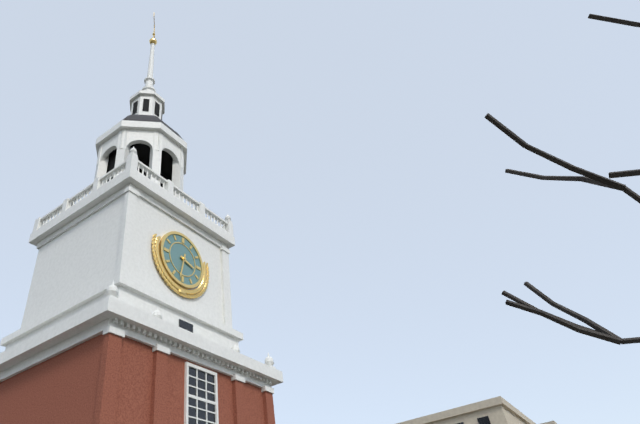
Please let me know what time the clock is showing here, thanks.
3:32
